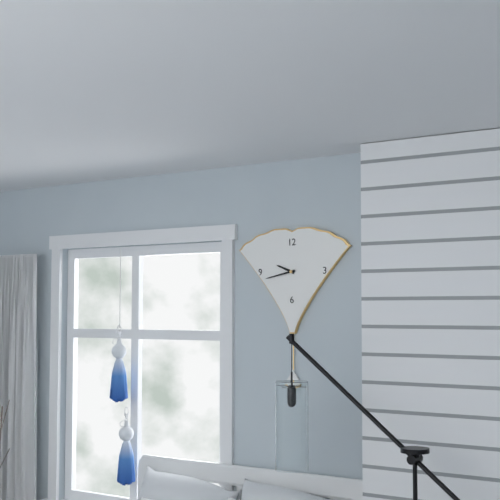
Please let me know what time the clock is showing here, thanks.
9:43
